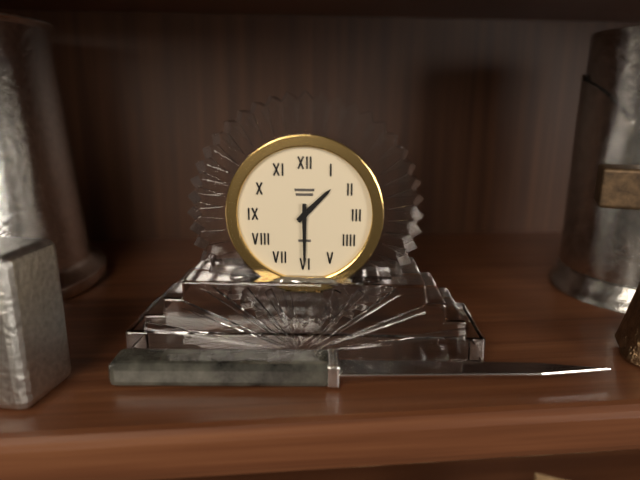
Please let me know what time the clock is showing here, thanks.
1:30
